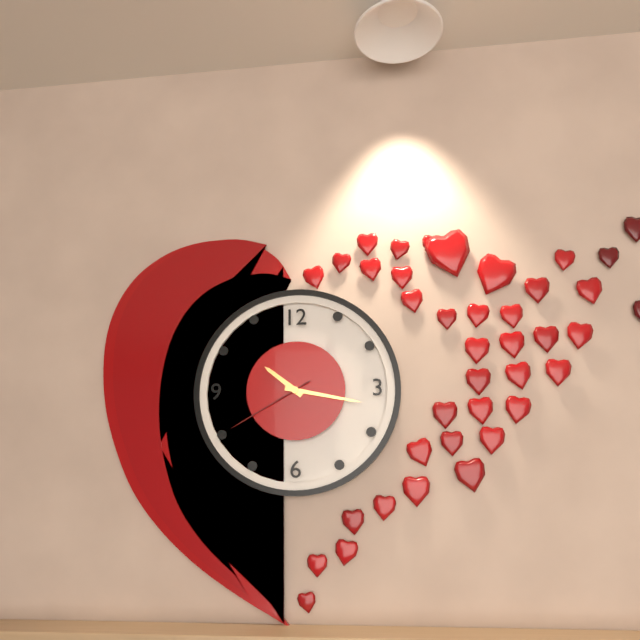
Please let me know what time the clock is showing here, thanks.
10:17:40
